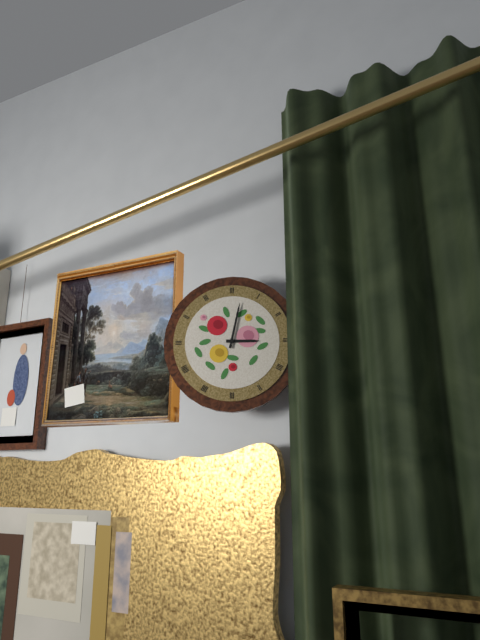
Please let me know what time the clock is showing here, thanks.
3:02
